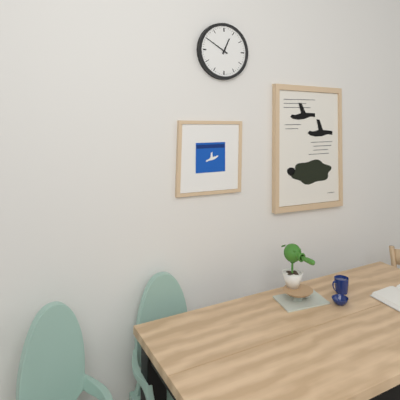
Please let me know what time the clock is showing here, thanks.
12:50
